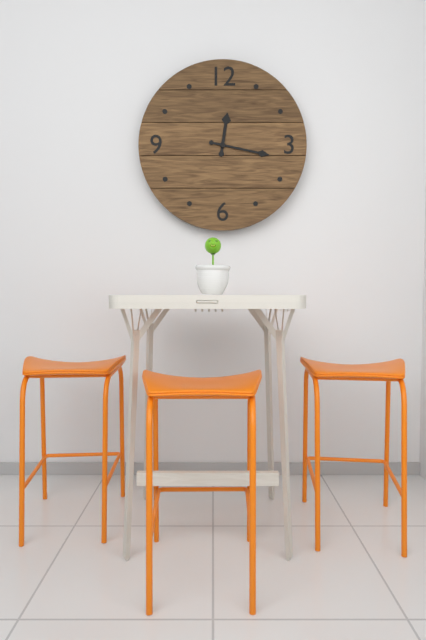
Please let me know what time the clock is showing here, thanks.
12:17
